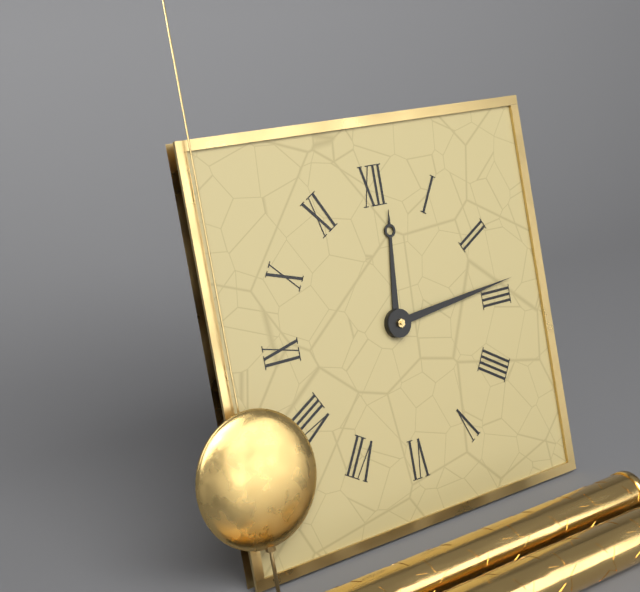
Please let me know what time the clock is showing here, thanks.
12:14
